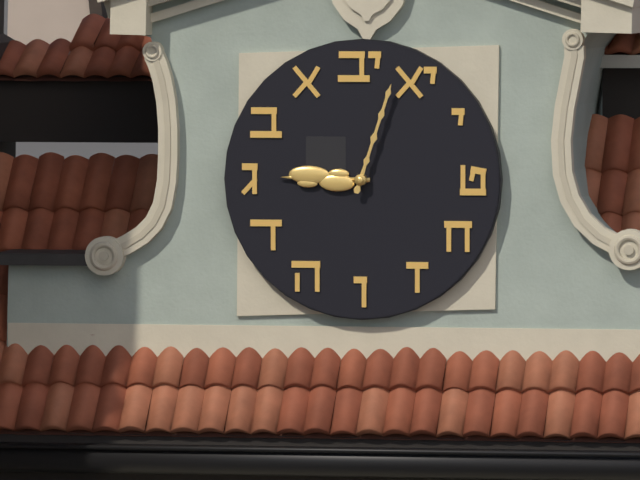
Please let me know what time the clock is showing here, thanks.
9:03
